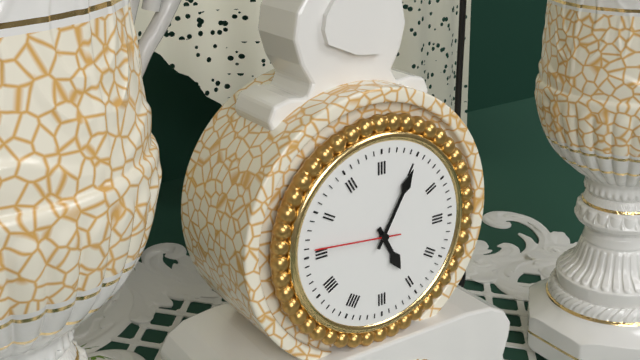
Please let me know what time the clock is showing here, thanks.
5:05:46
